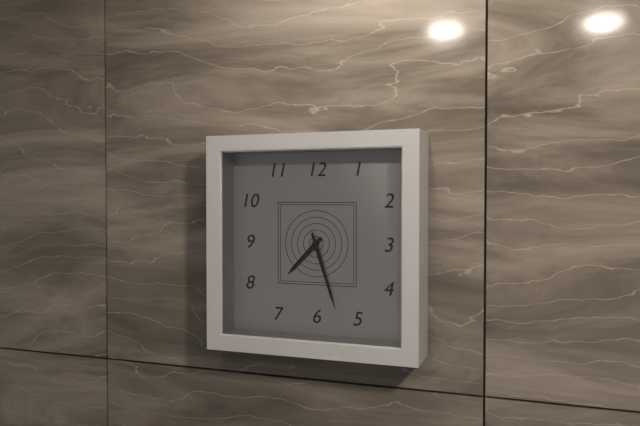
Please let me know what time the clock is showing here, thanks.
7:27
